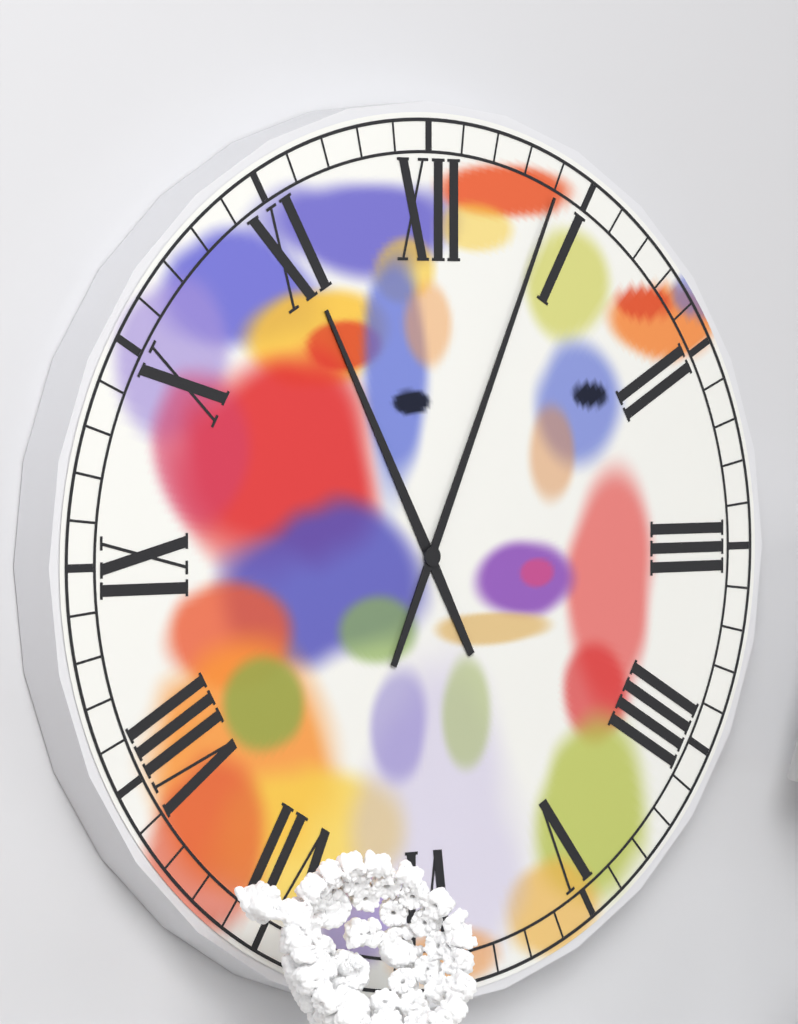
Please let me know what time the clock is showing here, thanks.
11:04
